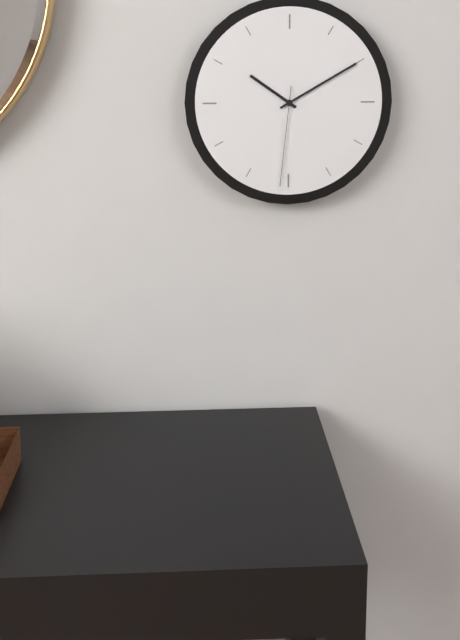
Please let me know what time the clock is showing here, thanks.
10:10:31
